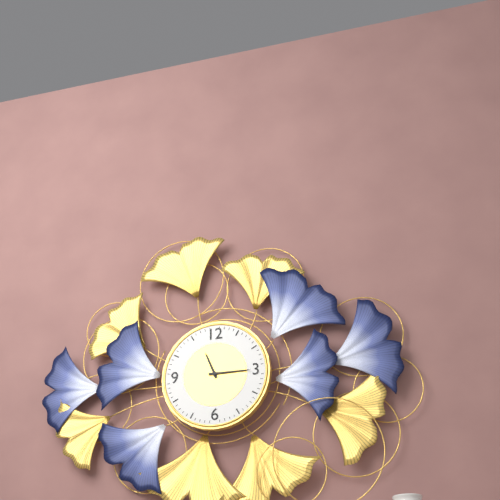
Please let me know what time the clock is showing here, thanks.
11:15
